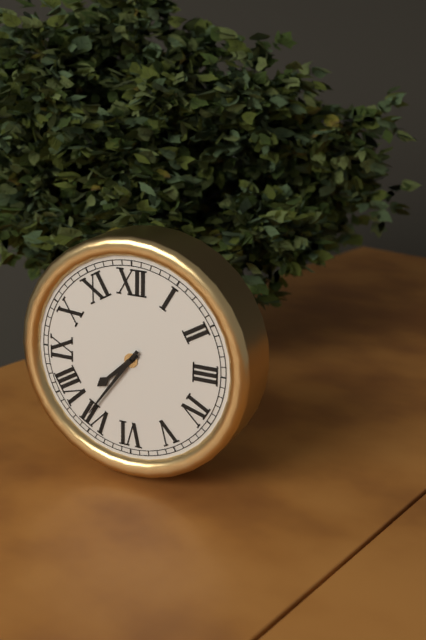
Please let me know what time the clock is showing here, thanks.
7:36
